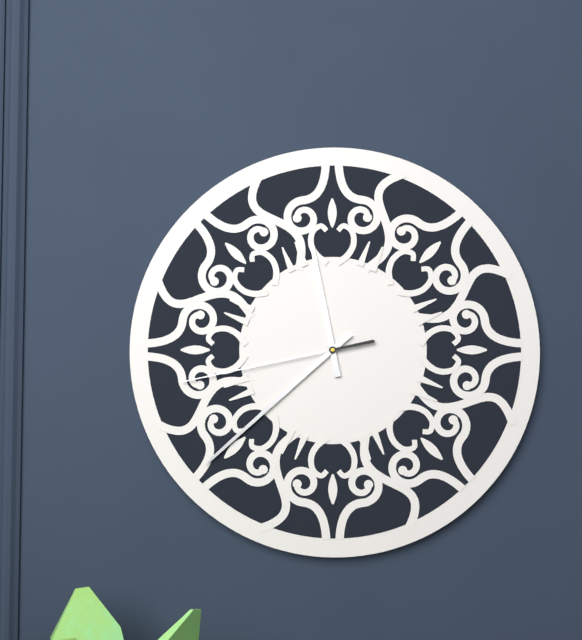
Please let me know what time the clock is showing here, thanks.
11:38:43
